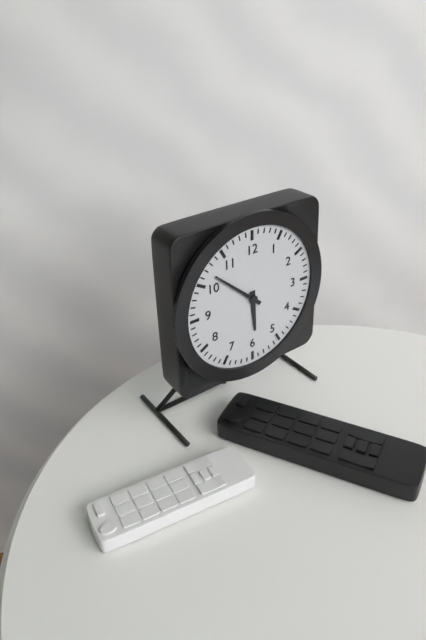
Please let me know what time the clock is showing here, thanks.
5:52
